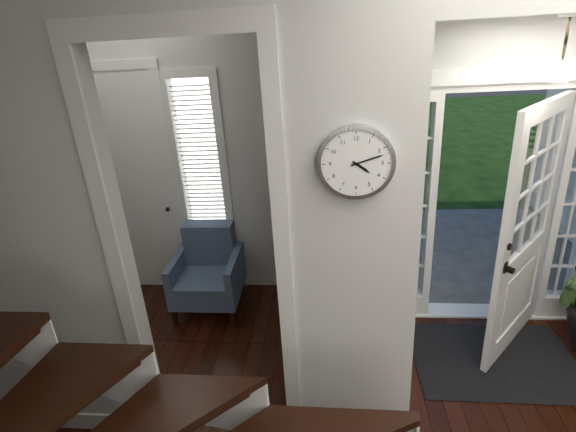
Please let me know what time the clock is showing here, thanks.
4:12
